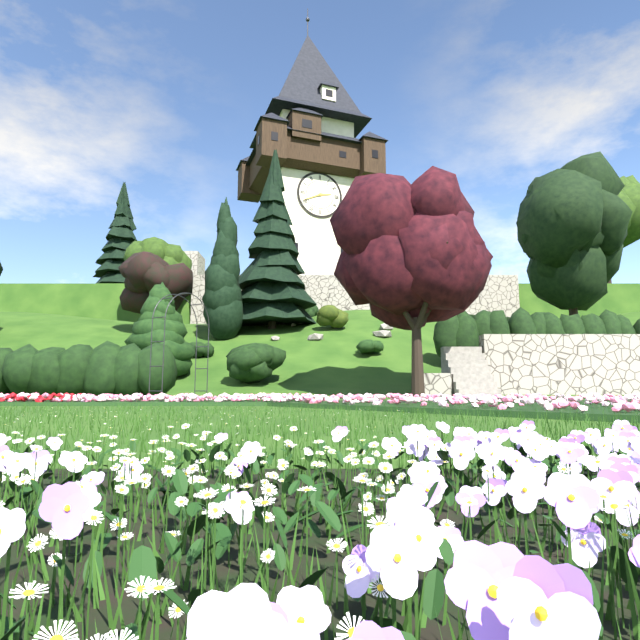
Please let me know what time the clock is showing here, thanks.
2:41
